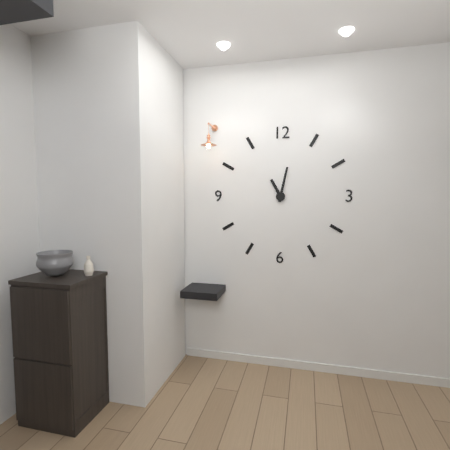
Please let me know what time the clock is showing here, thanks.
11:02
